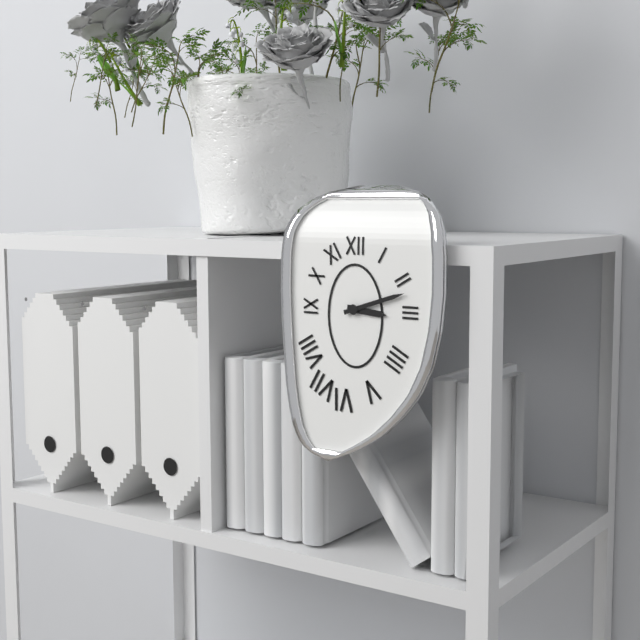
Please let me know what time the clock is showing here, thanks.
3:12
